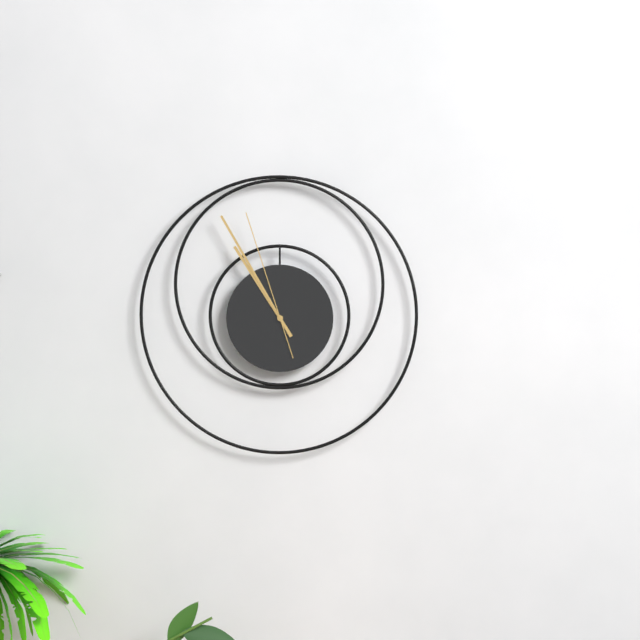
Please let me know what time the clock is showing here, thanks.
10:55:57
